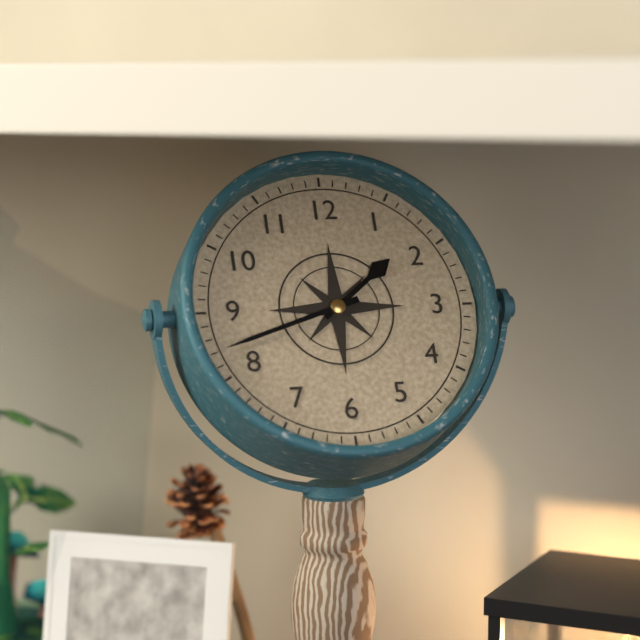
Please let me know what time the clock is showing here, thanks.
1:42
